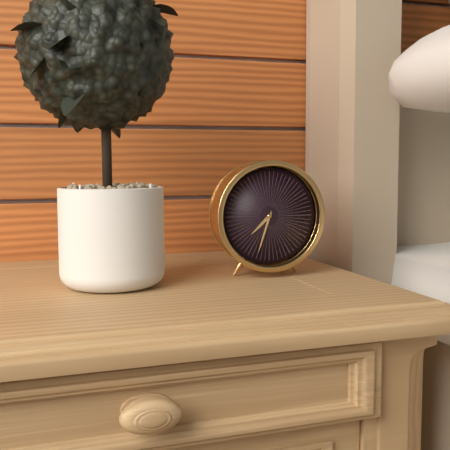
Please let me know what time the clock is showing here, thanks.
7:33
